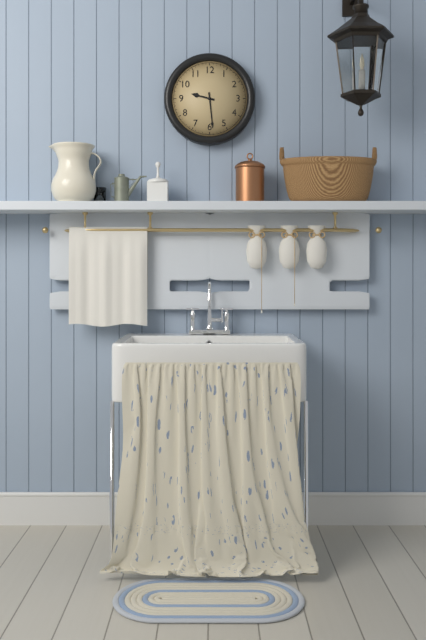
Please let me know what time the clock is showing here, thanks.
9:29
